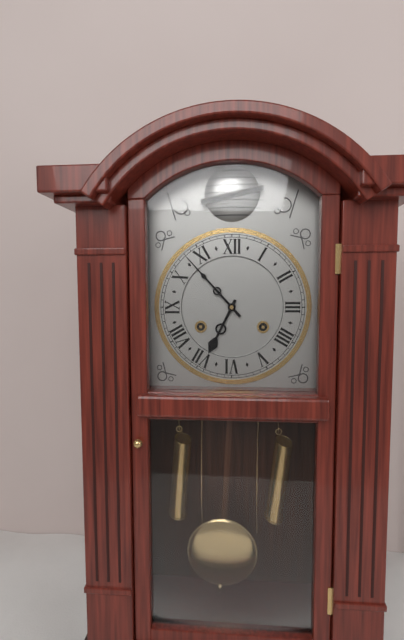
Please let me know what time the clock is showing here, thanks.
6:53
